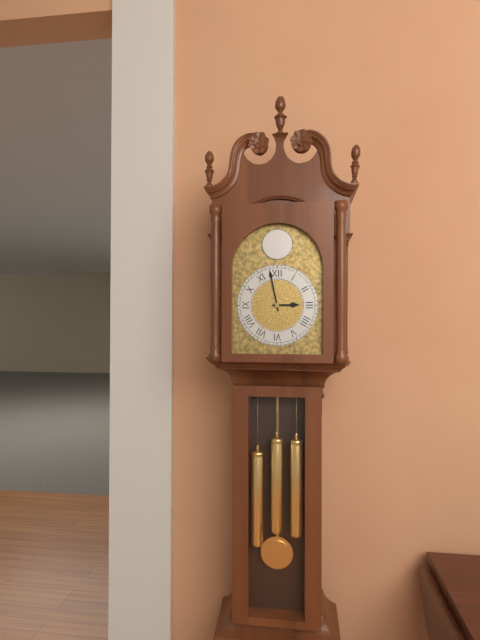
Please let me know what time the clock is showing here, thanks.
2:58
